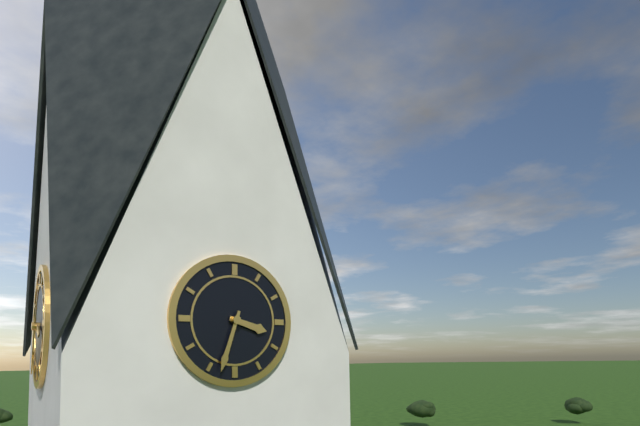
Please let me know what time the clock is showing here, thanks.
3:33
